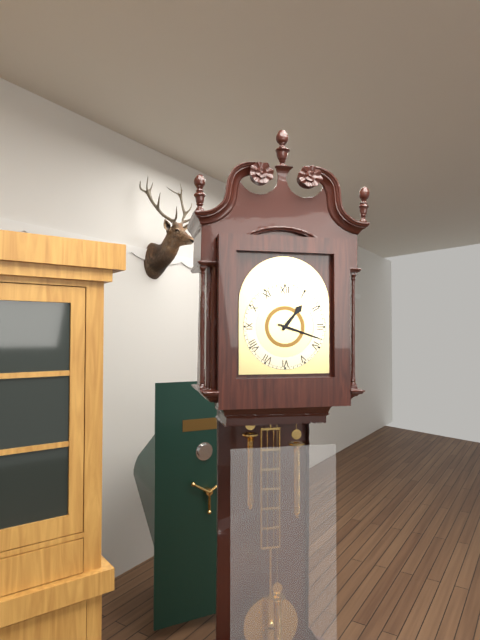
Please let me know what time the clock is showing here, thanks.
1:18
